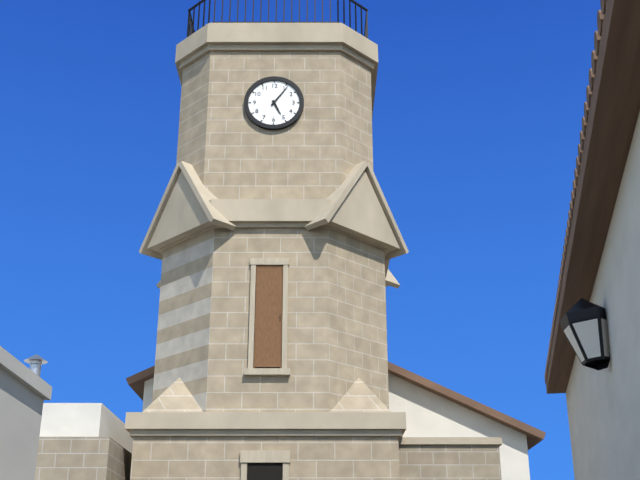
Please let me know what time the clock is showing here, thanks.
5:06
